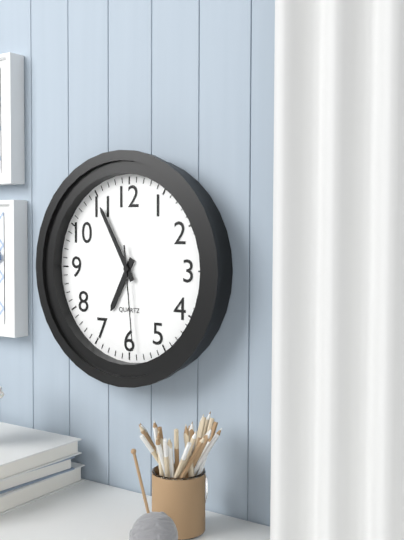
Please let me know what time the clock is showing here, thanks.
6:55:29
